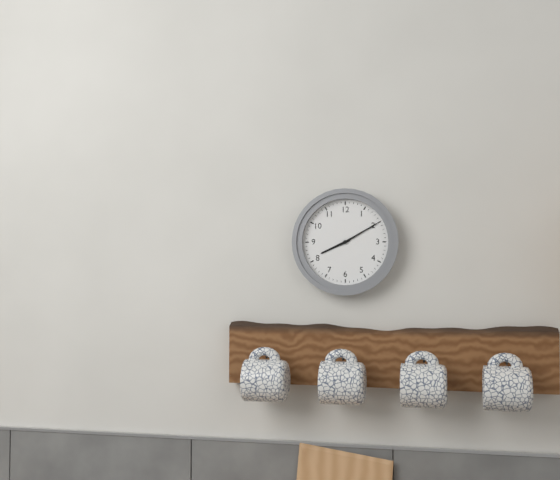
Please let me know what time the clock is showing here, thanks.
8:10
